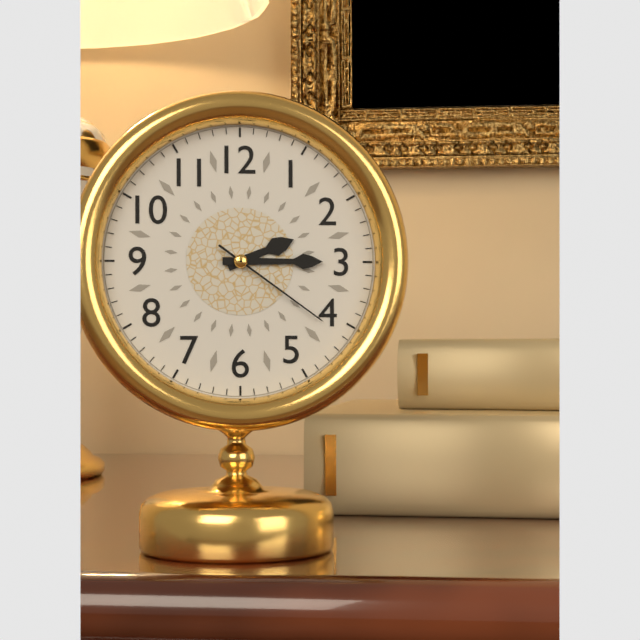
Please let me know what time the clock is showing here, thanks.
2:15:21
